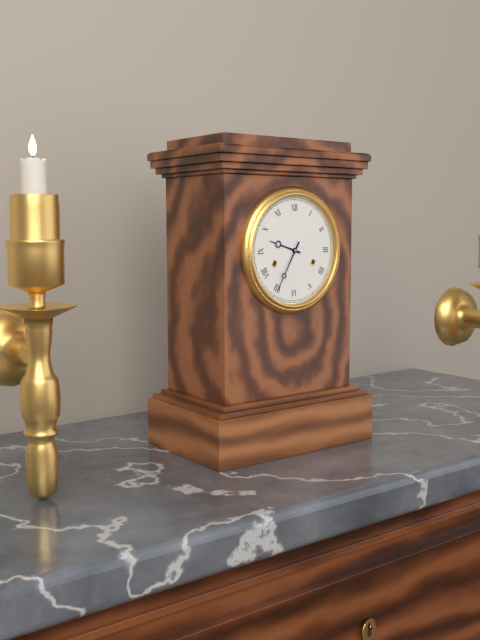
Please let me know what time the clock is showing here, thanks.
9:35
